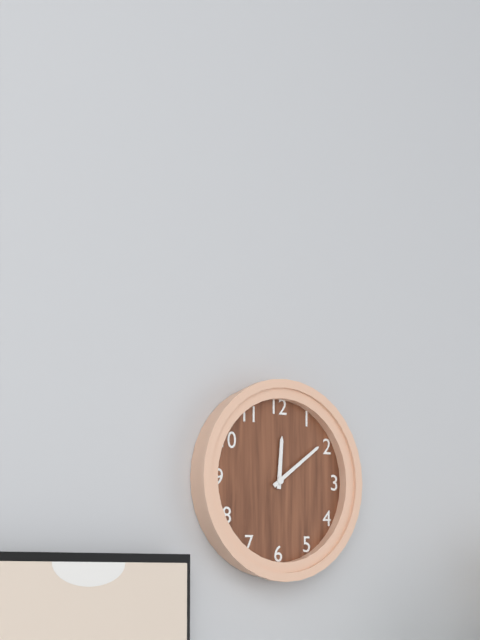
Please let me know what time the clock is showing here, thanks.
12:09
